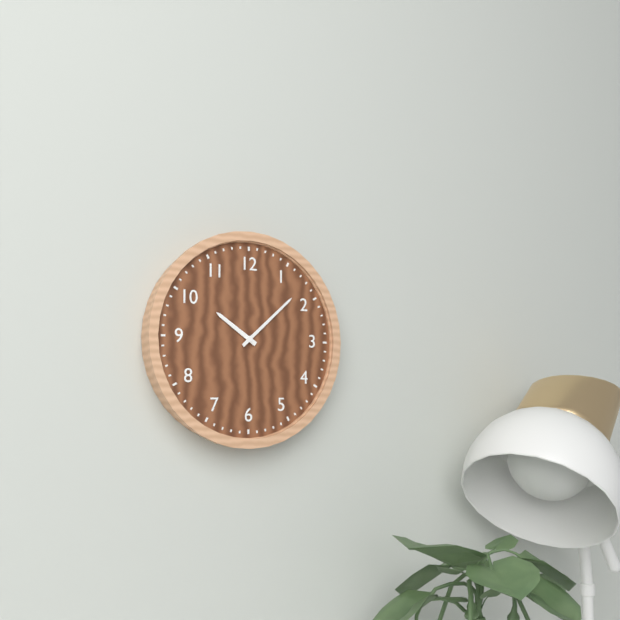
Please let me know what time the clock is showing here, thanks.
10:08
